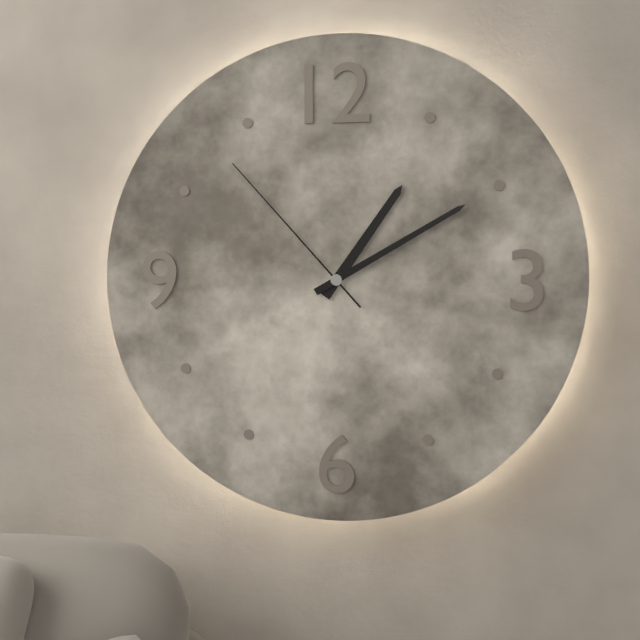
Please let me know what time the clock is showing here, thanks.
1:10:53
